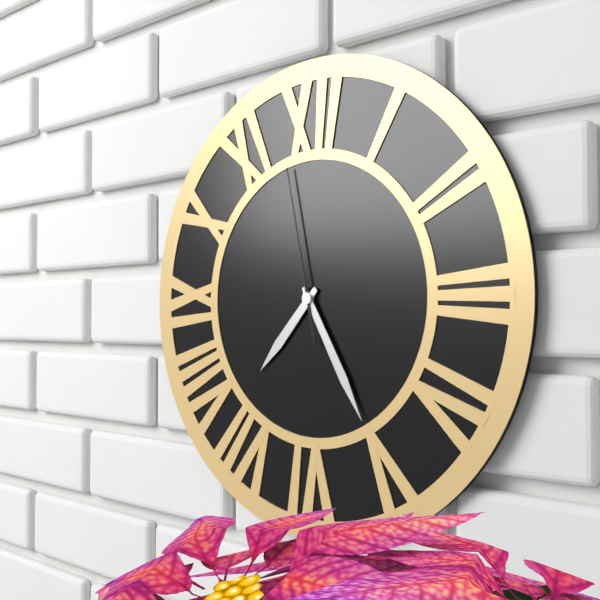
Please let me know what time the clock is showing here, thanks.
7:25:58
